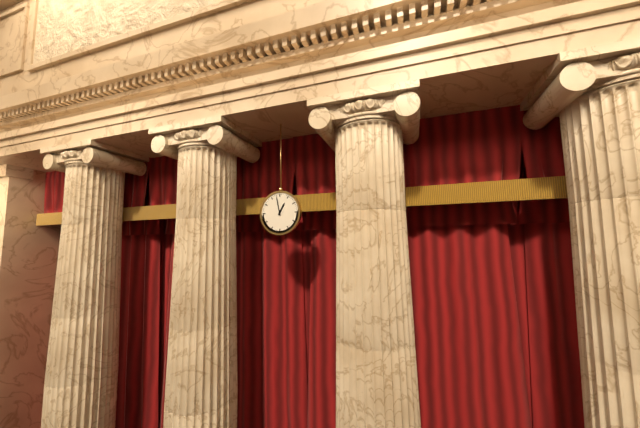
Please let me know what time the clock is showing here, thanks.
12:58
